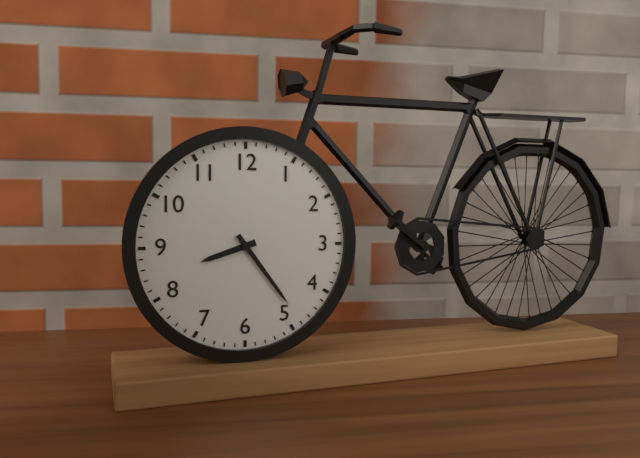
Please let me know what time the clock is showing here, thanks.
8:24
